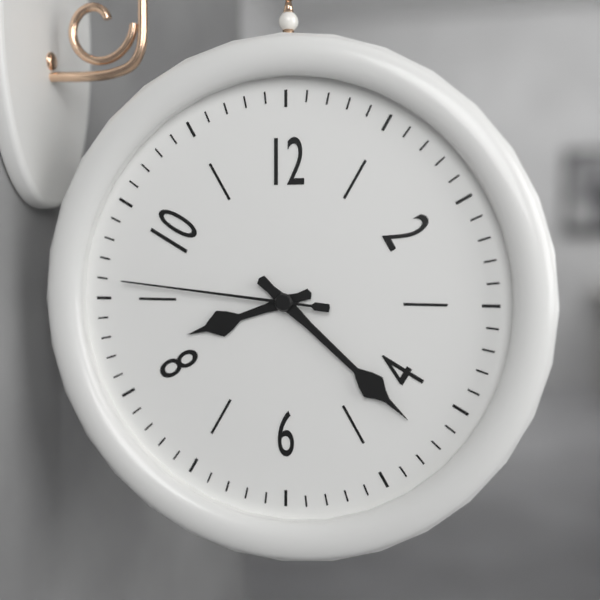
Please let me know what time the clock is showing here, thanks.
8:22:46
